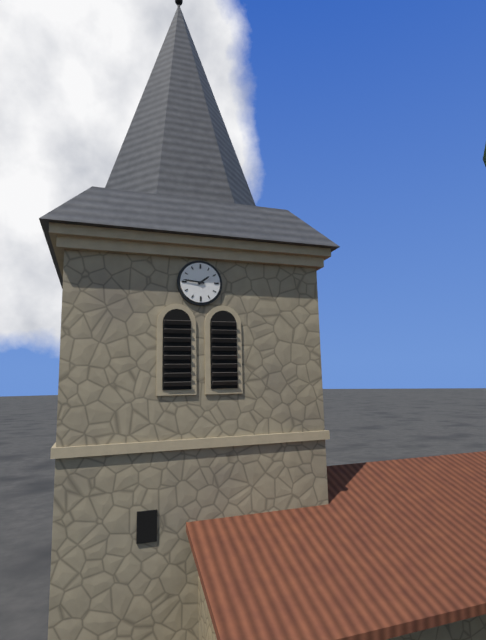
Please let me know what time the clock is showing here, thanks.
1:46
